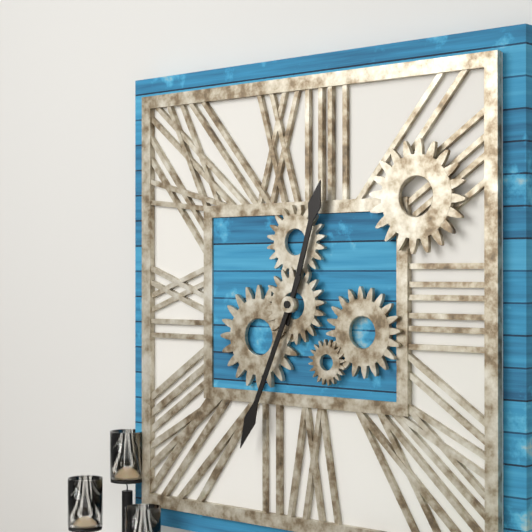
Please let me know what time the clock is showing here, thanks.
12:34
